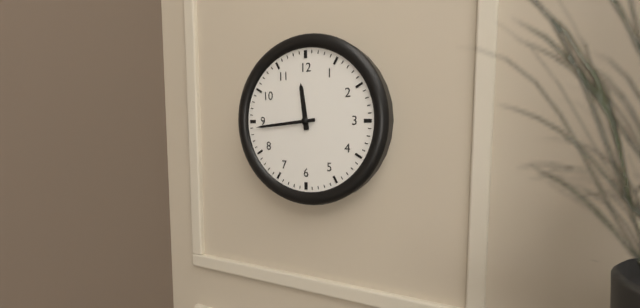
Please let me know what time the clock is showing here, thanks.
11:44
